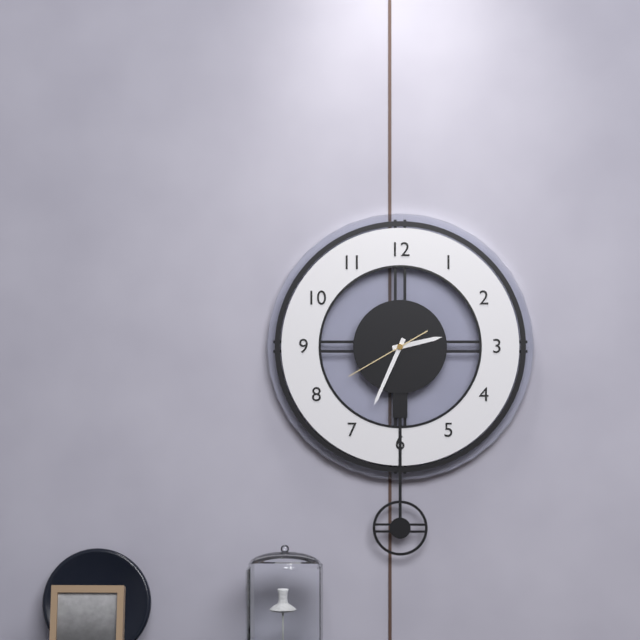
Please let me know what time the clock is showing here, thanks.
2:34:40
